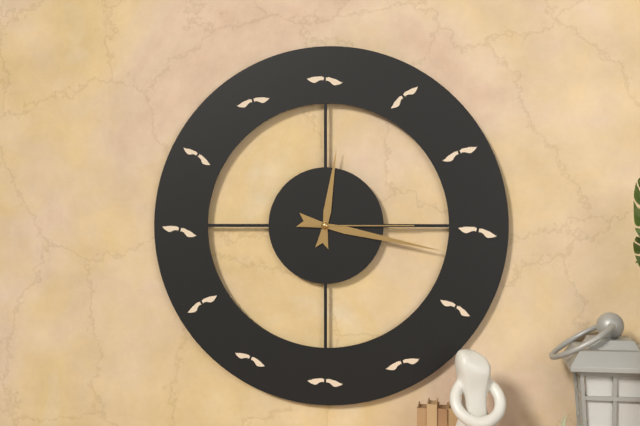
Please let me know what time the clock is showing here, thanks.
12:17:15
